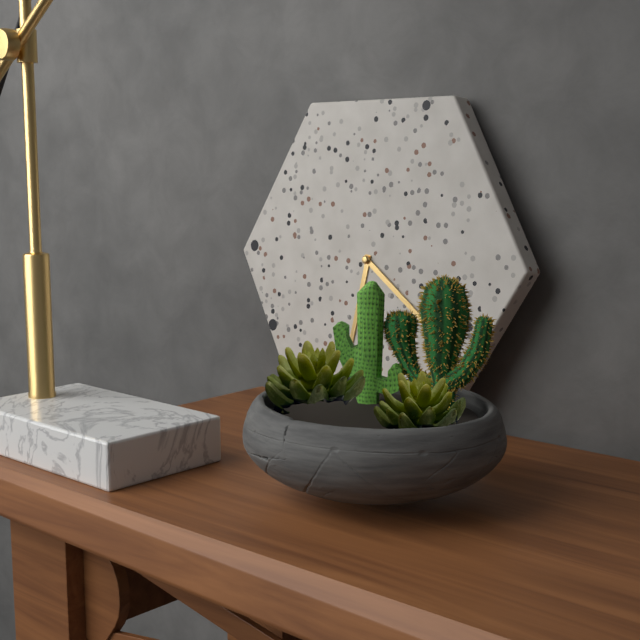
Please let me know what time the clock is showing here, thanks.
6:21
